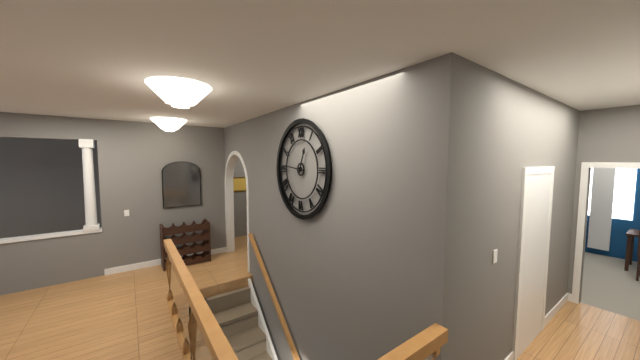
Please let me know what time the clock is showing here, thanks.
12:46
